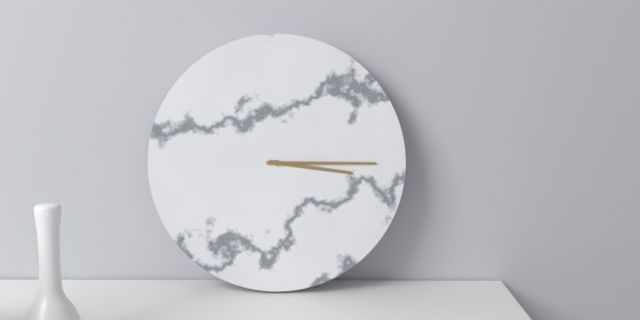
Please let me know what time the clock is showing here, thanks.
3:15
